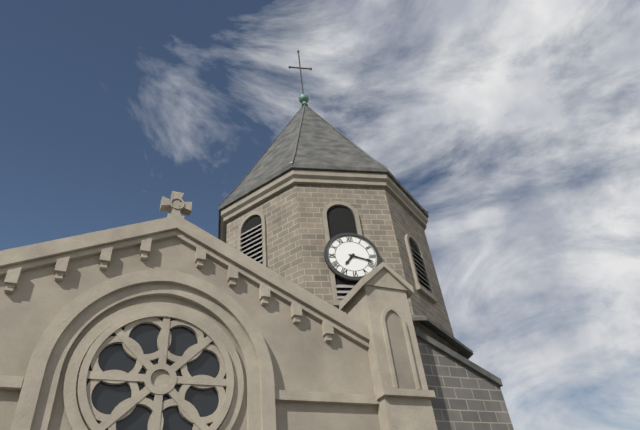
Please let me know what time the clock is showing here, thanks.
7:18
